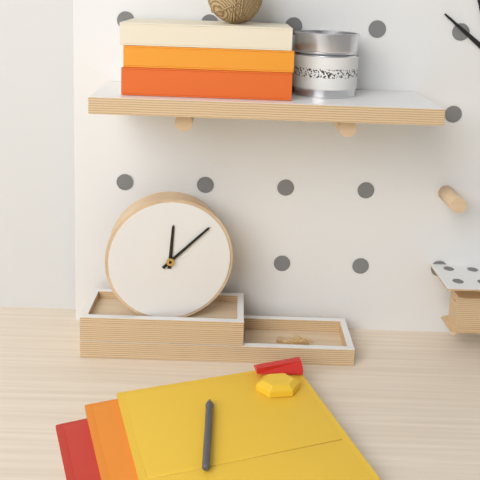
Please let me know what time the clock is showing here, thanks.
12:08
